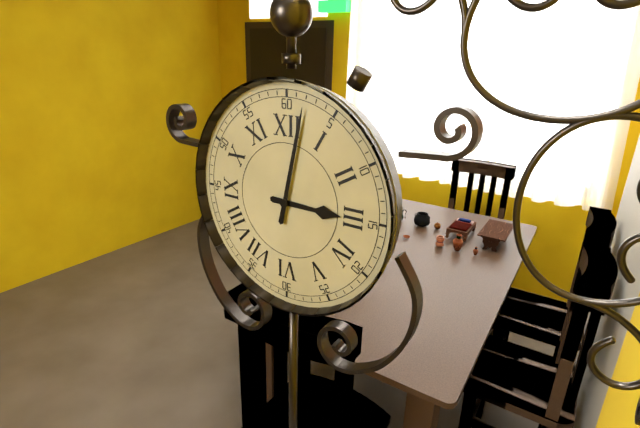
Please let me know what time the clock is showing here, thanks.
3:02
